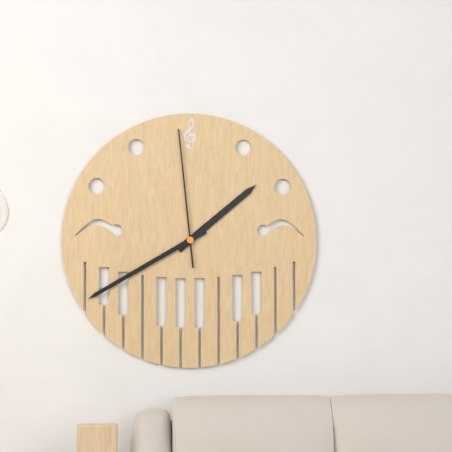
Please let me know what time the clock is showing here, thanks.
1:40:59
